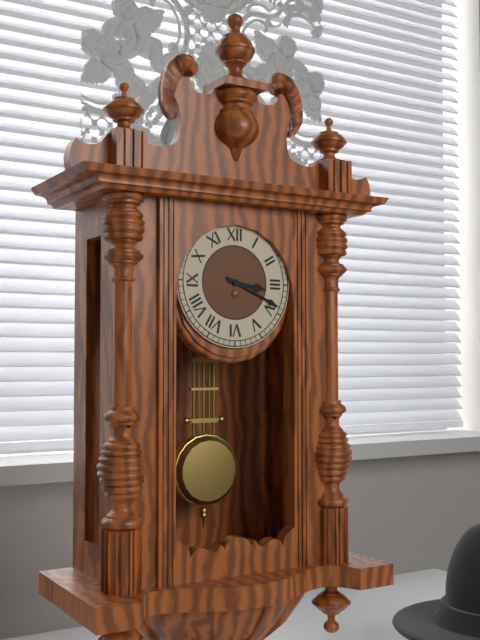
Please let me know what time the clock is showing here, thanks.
3:19
